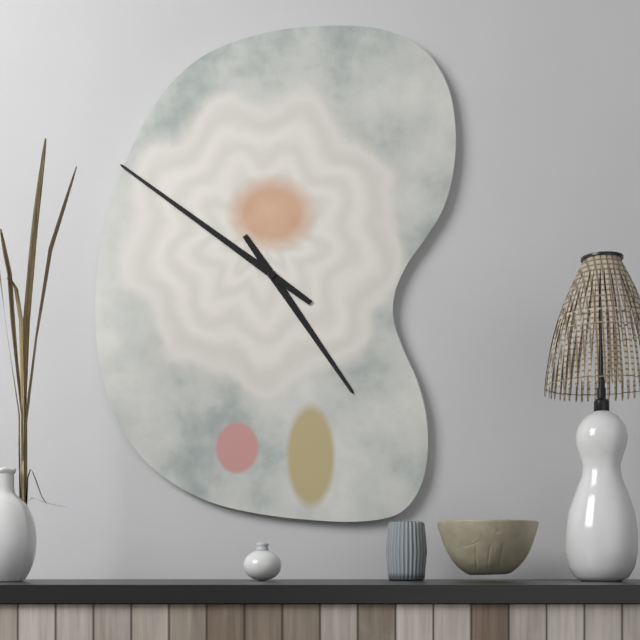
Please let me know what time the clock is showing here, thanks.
4:51
